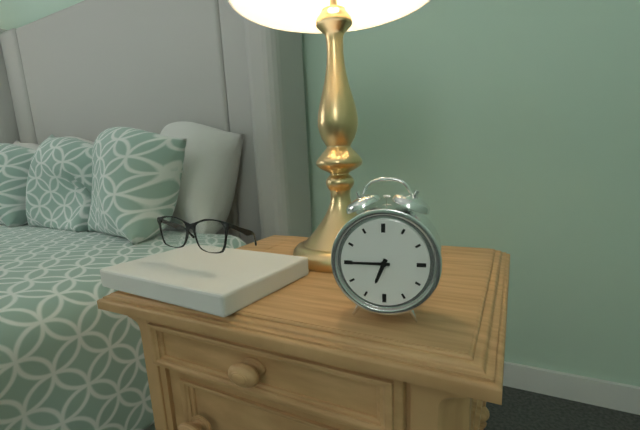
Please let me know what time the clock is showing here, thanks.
6:45
